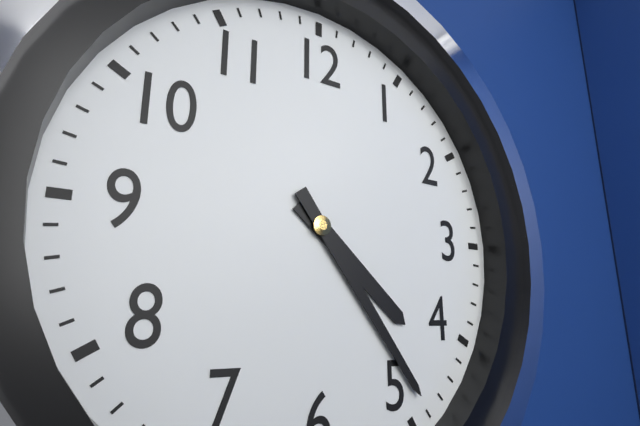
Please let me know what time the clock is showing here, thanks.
4:24
